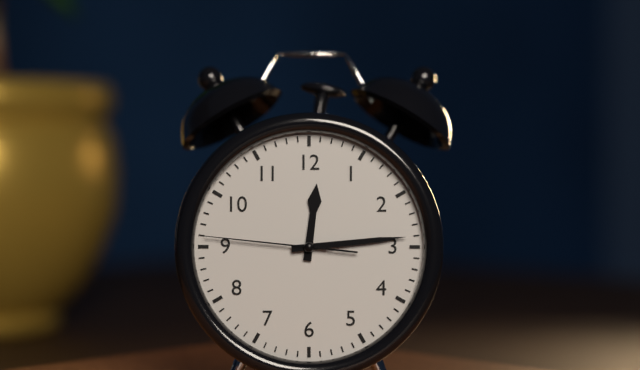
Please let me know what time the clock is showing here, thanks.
12:14:46
